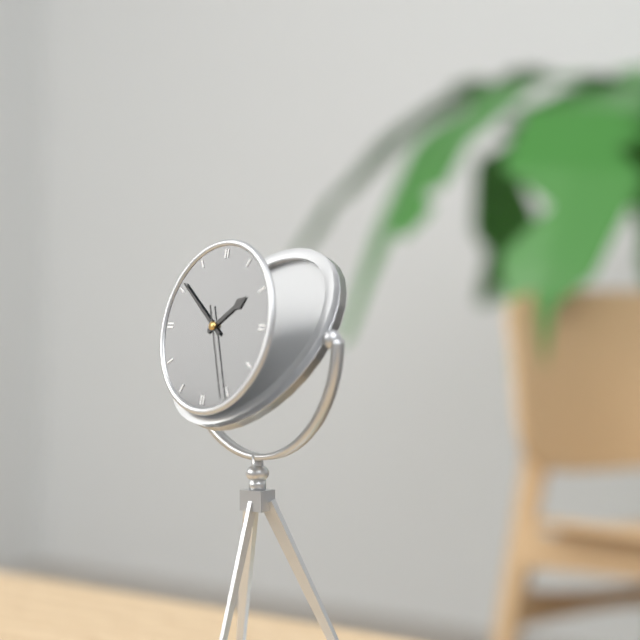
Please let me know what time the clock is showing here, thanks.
1:51:26
